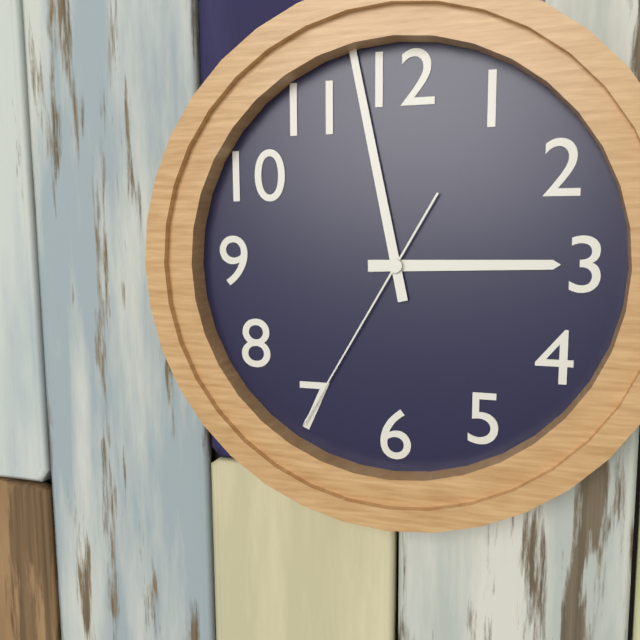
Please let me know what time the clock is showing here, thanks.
2:58:35
